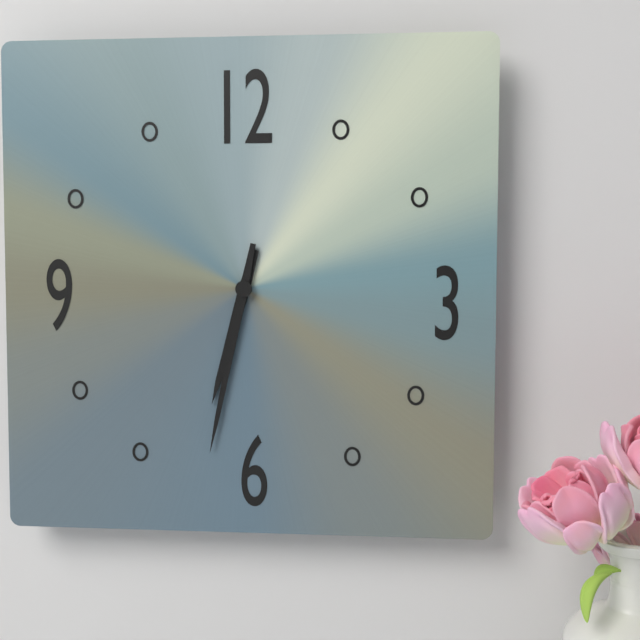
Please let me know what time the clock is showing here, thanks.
6:32
